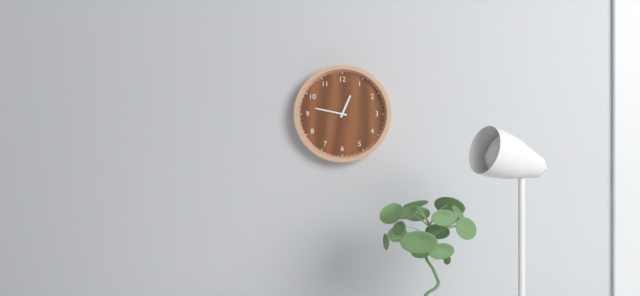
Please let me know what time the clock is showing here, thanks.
12:47
